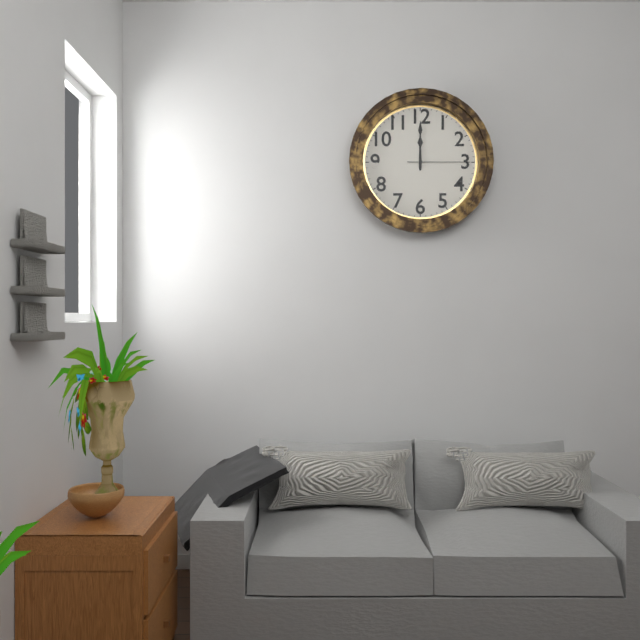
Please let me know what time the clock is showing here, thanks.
12:00:15
